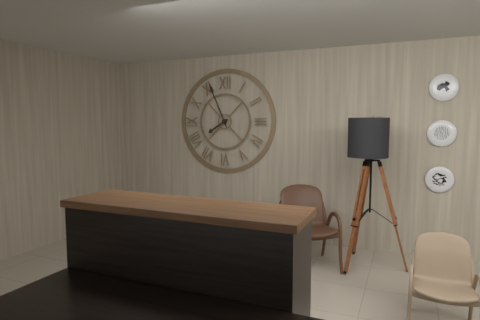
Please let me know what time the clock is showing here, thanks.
7:56
